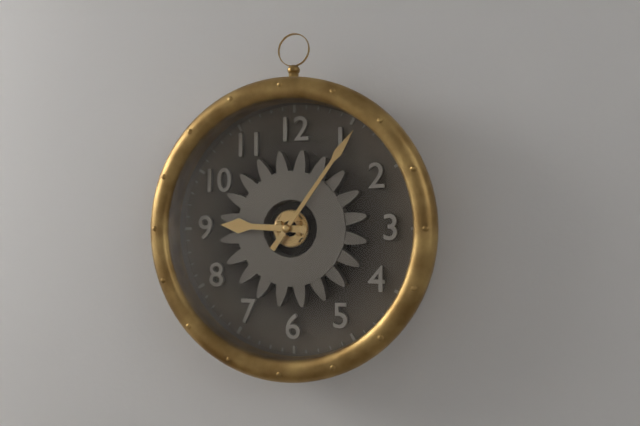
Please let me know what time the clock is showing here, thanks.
9:06
